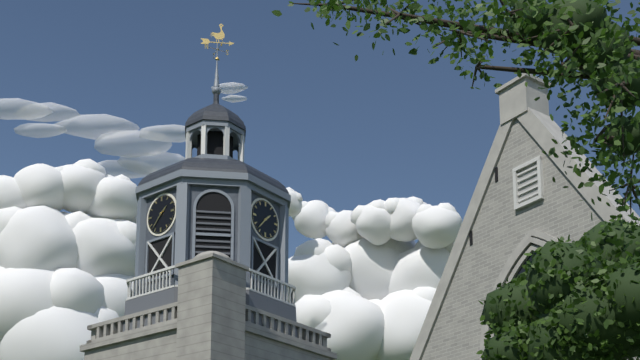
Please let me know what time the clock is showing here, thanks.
1:37
